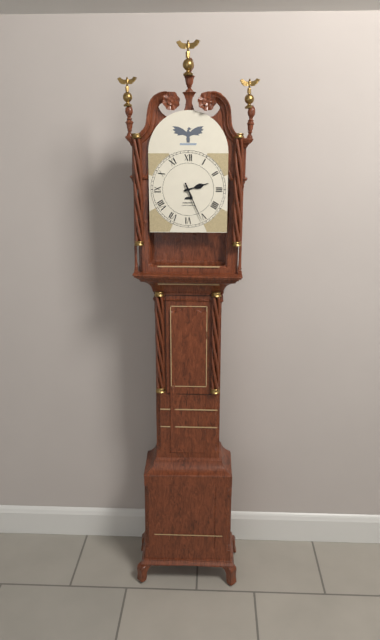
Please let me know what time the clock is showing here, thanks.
2:26
